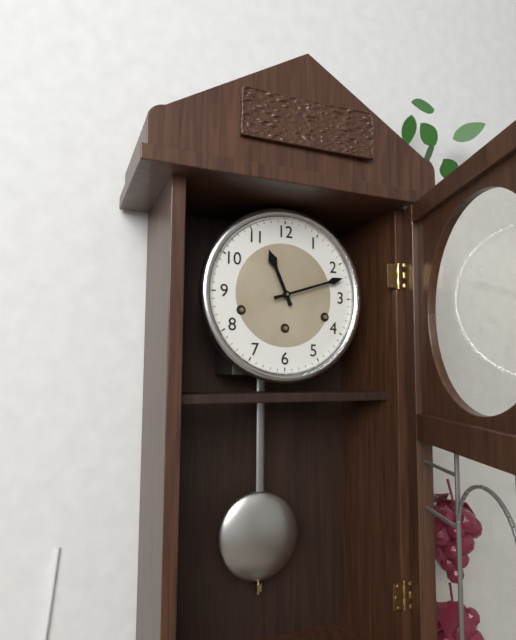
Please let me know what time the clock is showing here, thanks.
11:12
